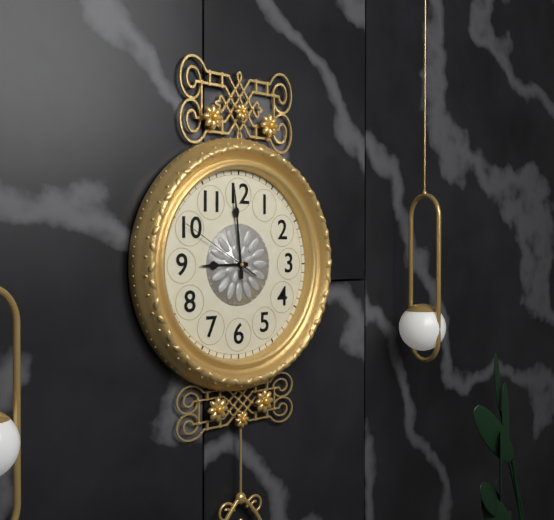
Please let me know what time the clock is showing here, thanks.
8:59:50
